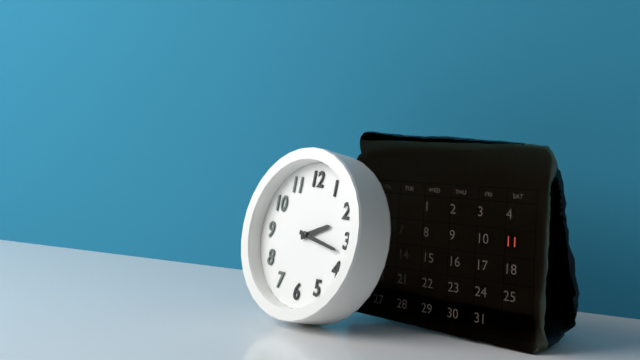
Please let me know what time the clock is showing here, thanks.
2:17
